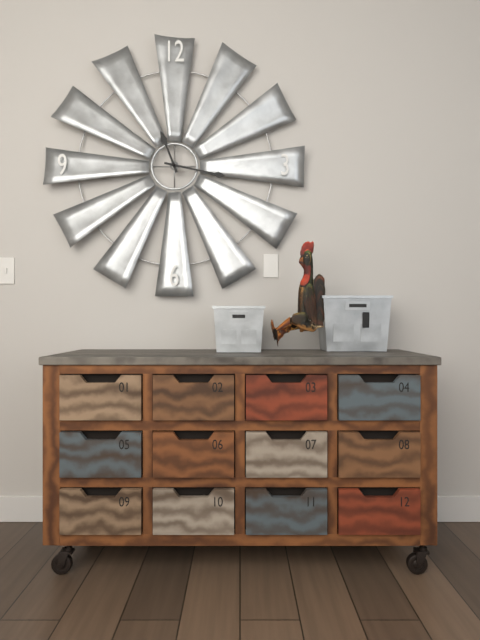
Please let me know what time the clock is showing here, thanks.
11:17
